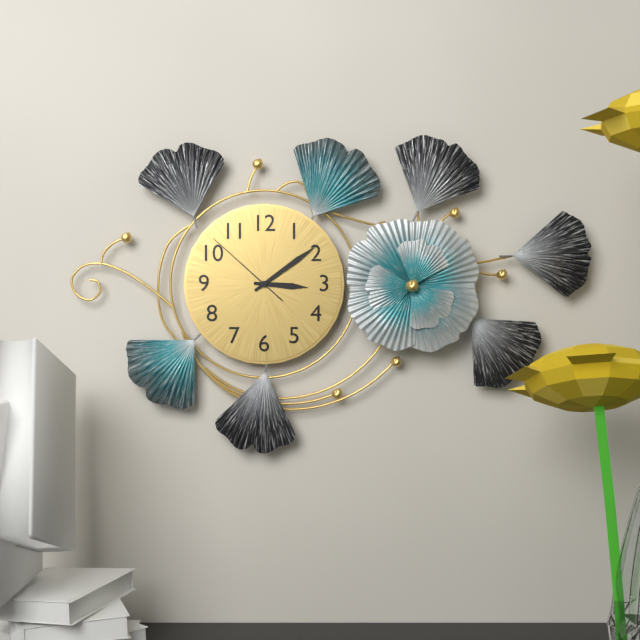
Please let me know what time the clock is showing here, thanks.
3:09:52
